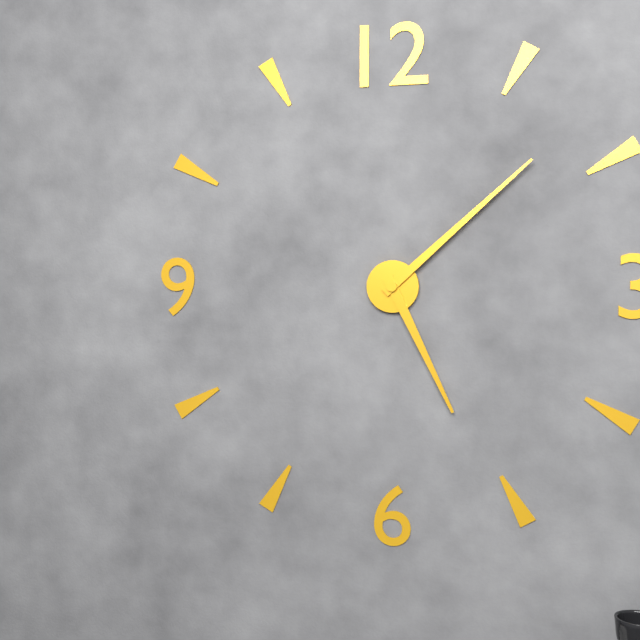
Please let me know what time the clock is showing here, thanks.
5:08
